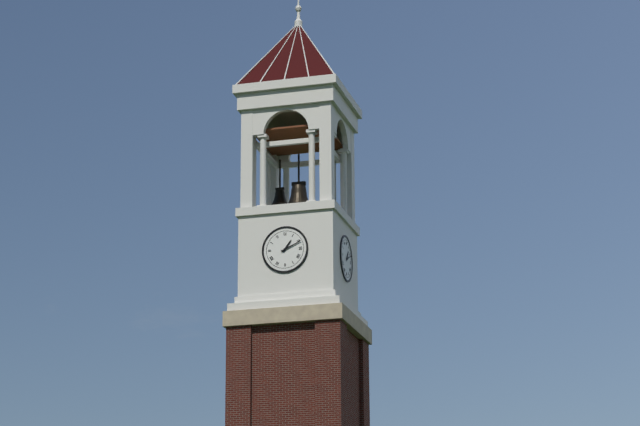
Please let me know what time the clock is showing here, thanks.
1:11
